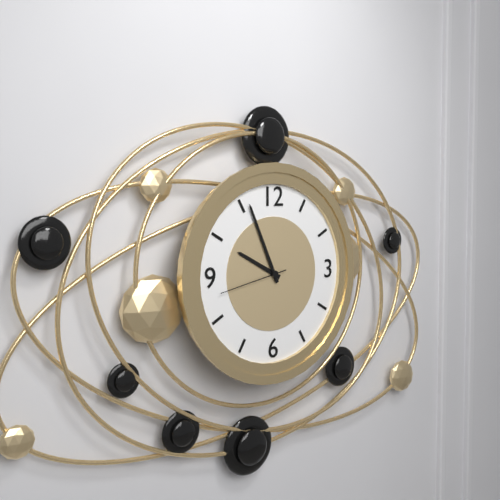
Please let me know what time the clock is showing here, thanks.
9:56:43
